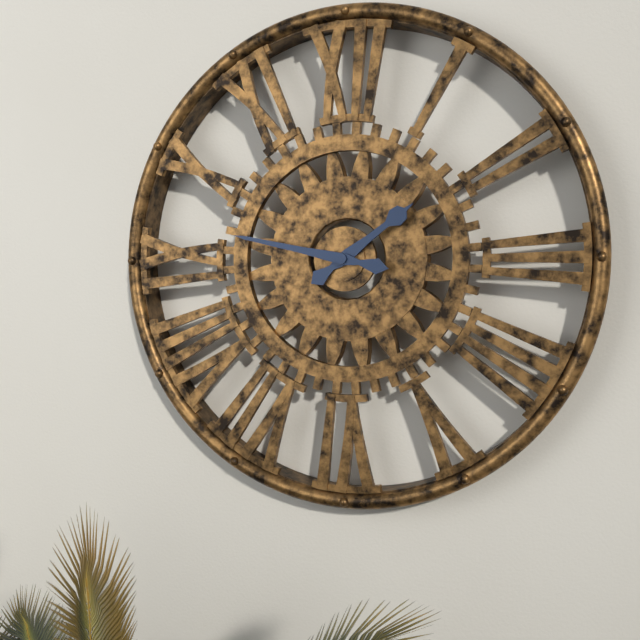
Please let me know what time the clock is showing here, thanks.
1:47
